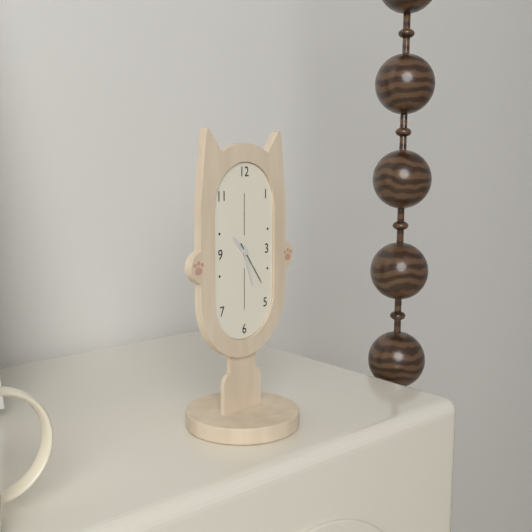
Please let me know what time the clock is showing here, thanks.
10:27
